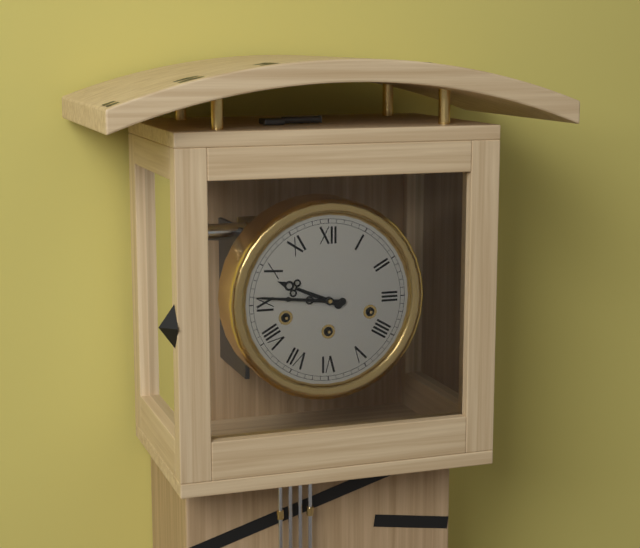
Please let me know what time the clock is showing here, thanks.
9:46
